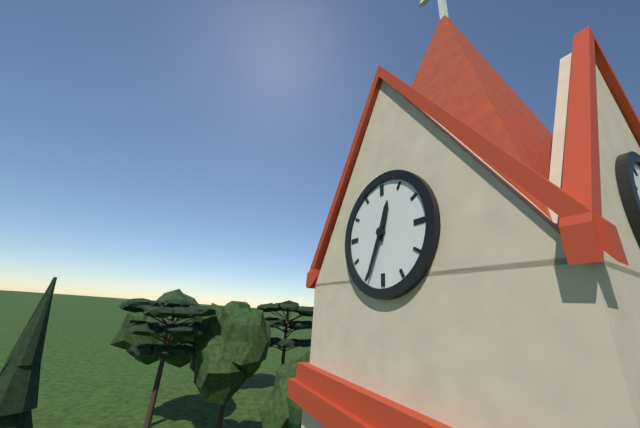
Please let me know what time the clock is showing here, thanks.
12:34
